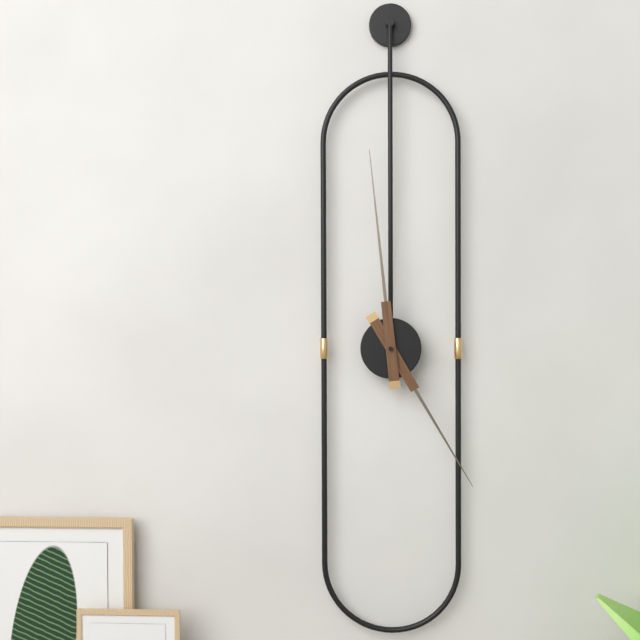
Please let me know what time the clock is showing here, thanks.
4:59
